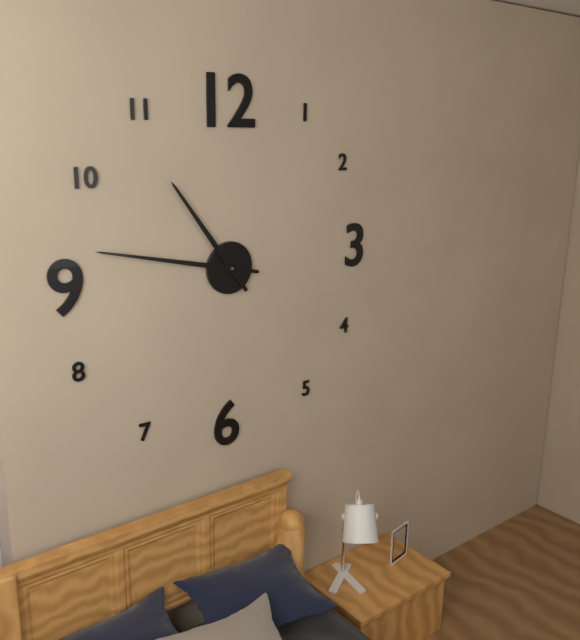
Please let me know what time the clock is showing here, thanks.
10:47
